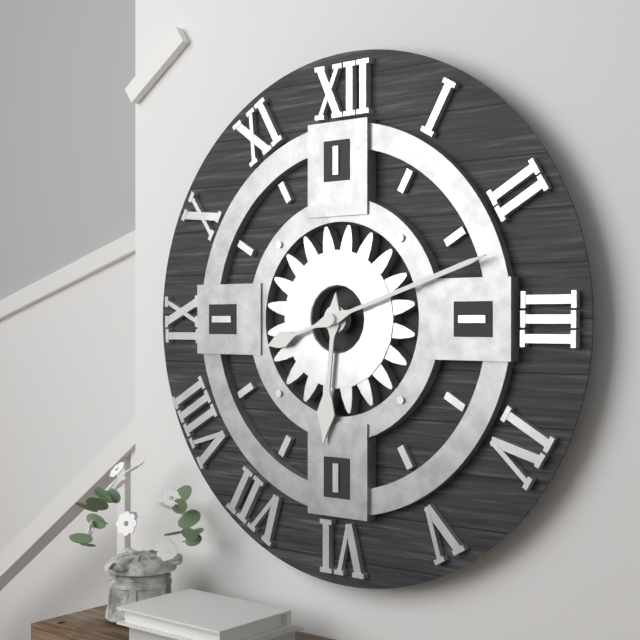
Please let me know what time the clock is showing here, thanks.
6:12
